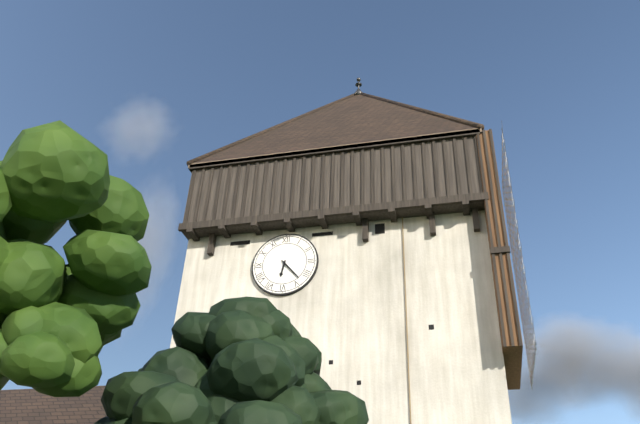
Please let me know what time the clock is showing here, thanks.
6:23
